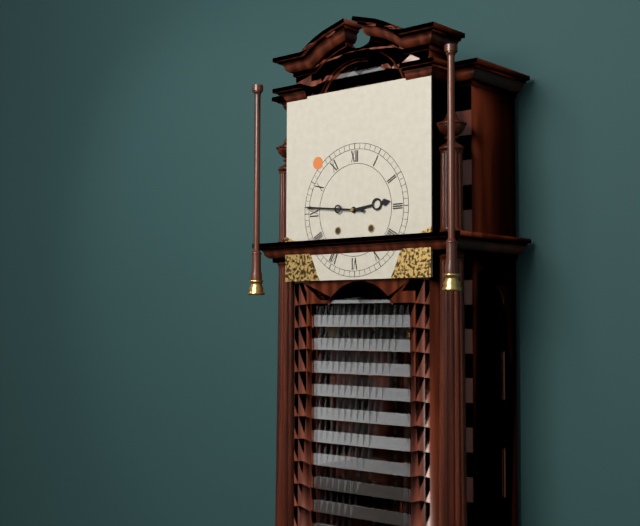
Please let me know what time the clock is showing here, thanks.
2:46
